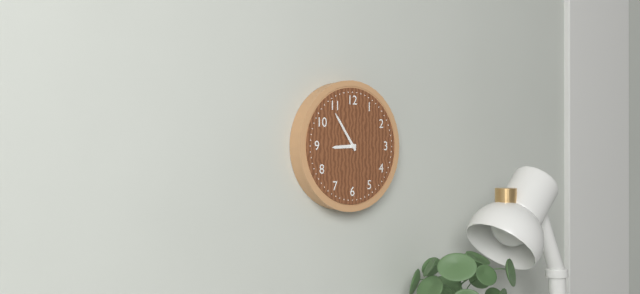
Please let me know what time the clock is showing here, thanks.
8:54
